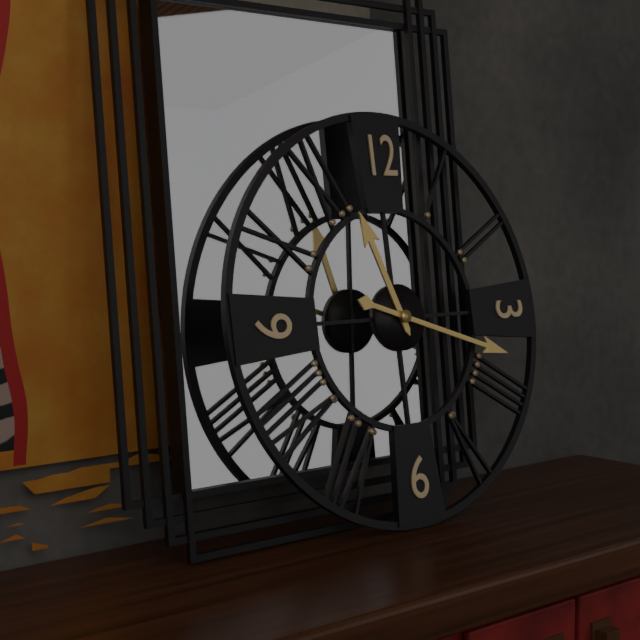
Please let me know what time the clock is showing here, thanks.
11:18
